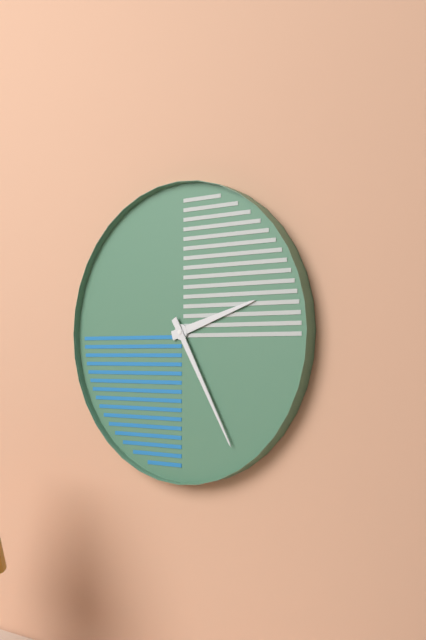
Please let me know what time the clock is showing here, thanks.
2:25
